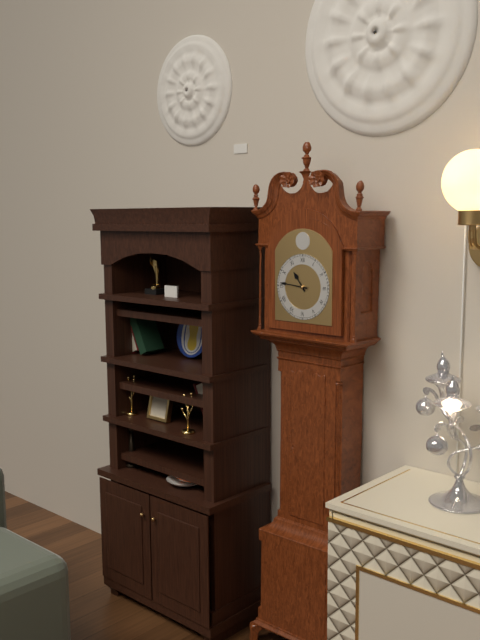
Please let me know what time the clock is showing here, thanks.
10:46
